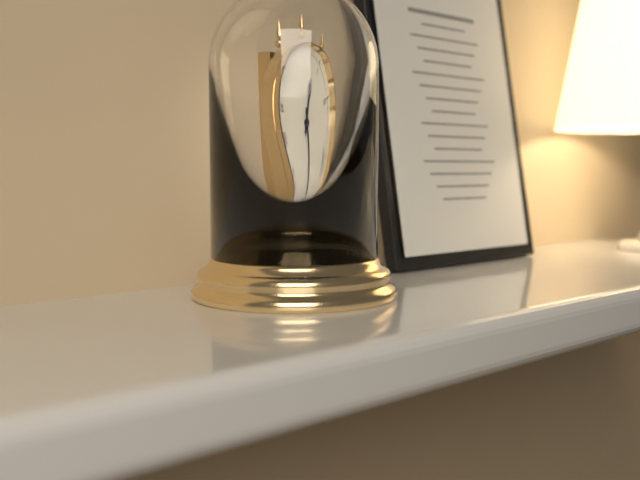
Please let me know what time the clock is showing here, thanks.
12:27
